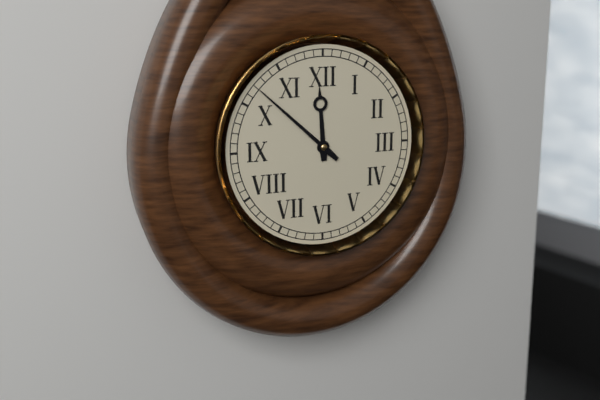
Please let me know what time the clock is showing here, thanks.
11:52
